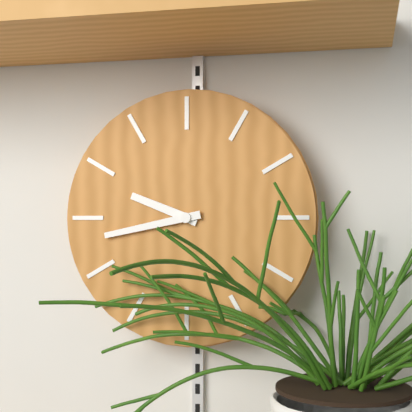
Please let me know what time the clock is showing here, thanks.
9:43
